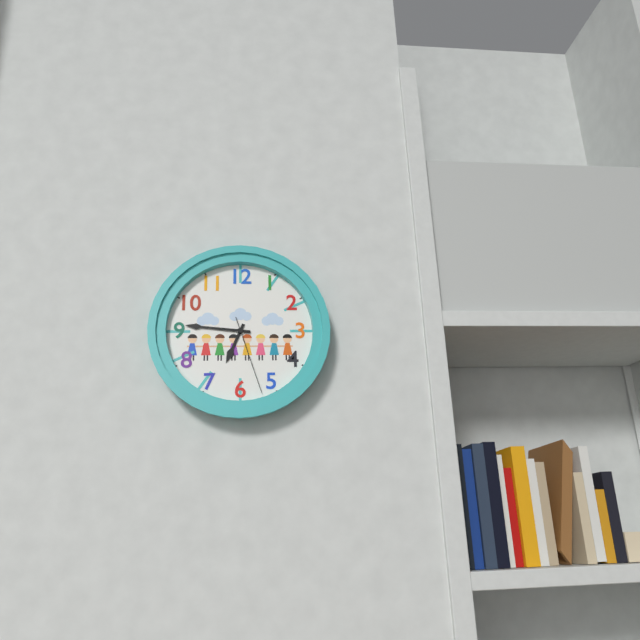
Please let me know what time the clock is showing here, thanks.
6:46:27
